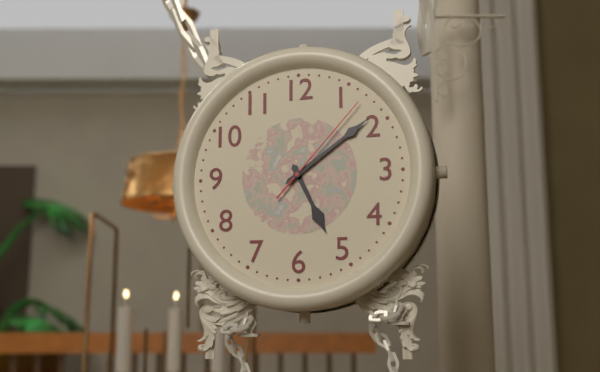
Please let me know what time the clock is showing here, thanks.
5:09:07
